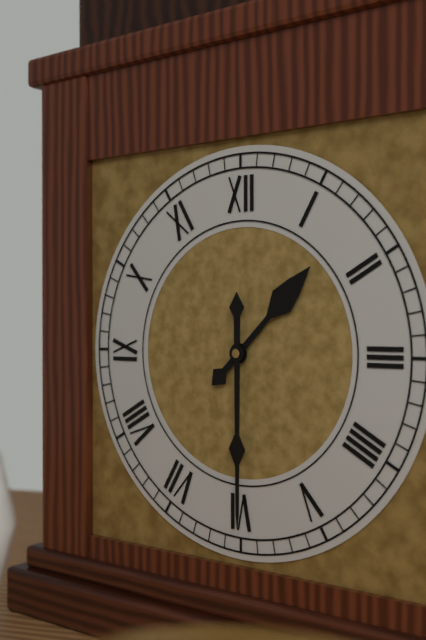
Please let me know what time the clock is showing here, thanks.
1:30
